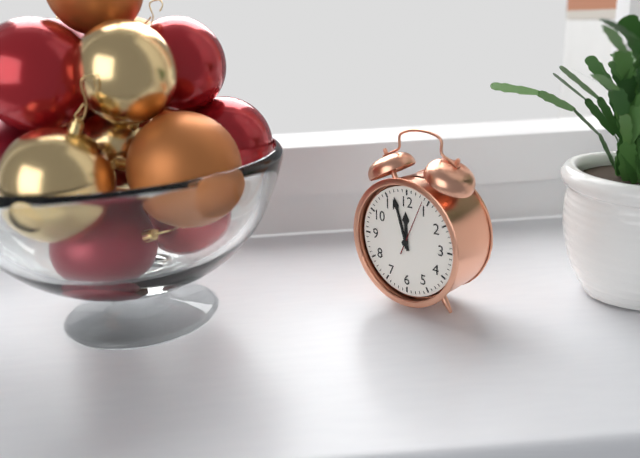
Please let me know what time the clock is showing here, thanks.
11:57:04
